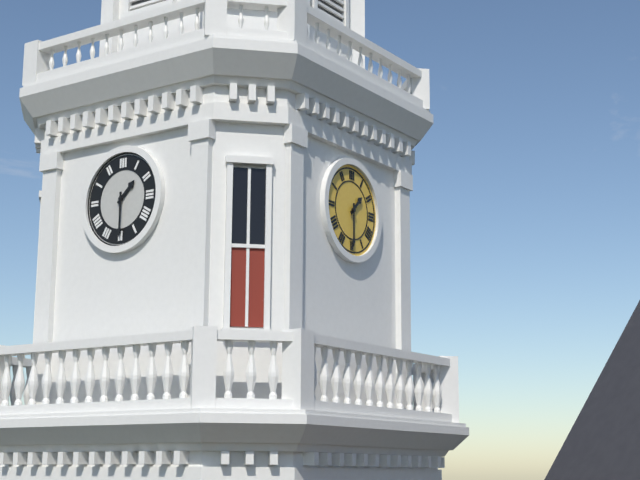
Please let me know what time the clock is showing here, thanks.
1:30
